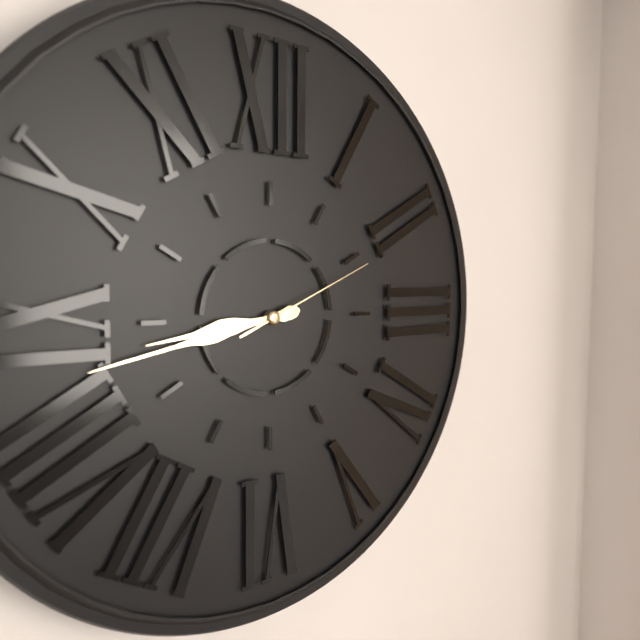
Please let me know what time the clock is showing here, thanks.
8:43:11
